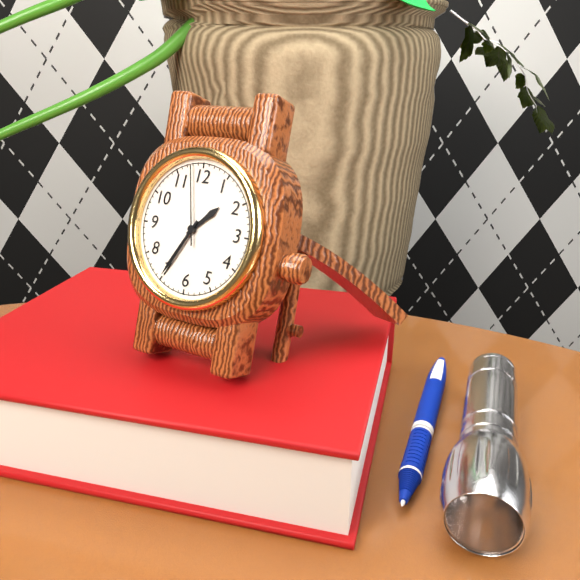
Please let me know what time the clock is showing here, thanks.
1:35:58
